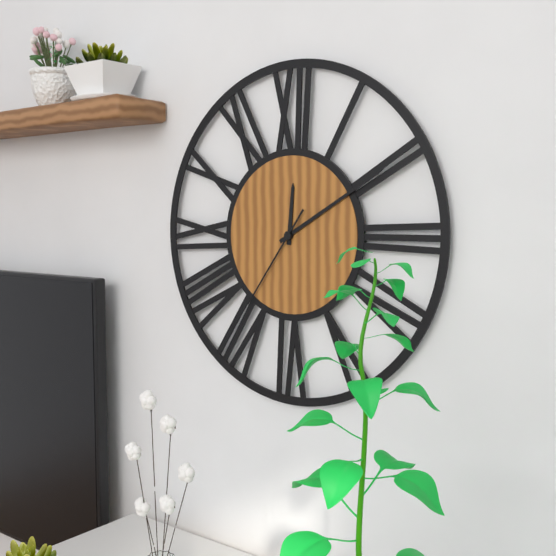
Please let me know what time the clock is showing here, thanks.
12:10:36
